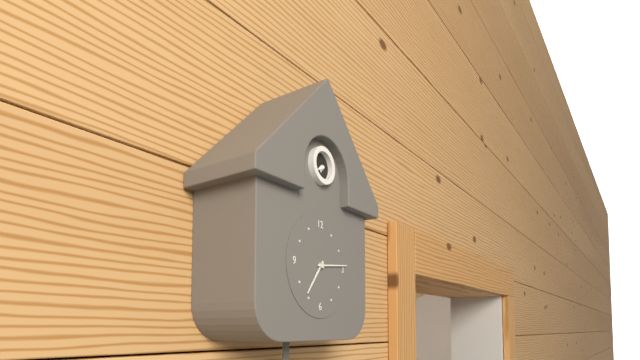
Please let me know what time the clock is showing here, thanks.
7:14
